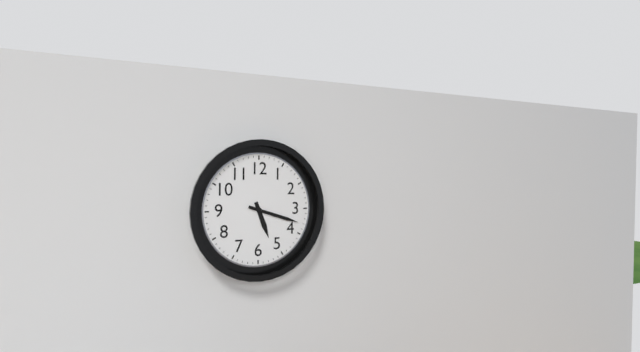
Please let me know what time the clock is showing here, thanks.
5:18
